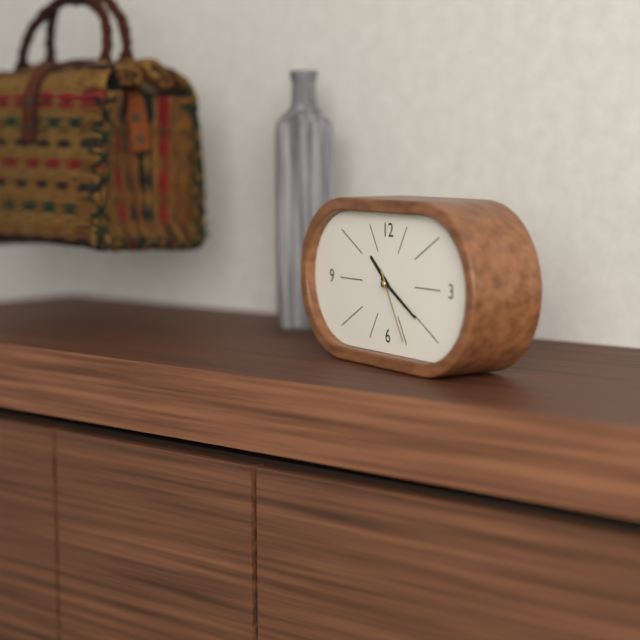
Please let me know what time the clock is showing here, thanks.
10:20:25
